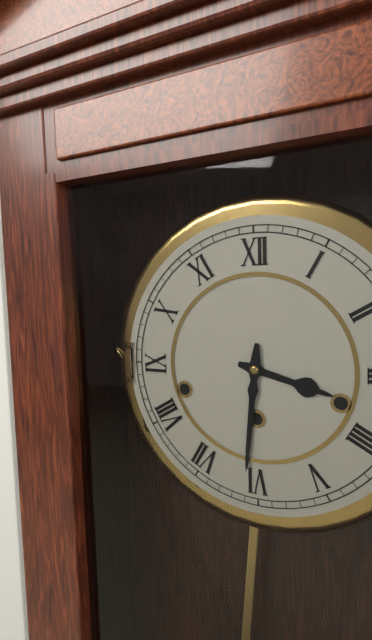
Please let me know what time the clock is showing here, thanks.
3:31
